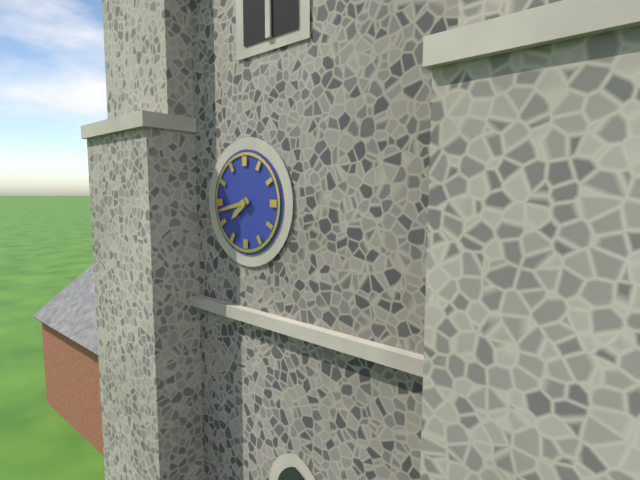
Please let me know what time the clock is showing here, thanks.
7:43
